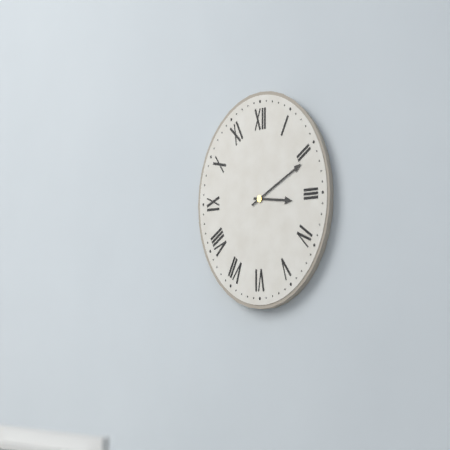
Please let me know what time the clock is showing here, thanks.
3:11
